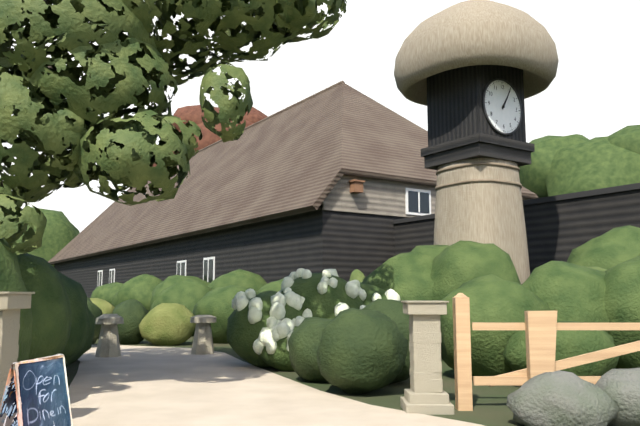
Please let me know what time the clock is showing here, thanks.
1:05
